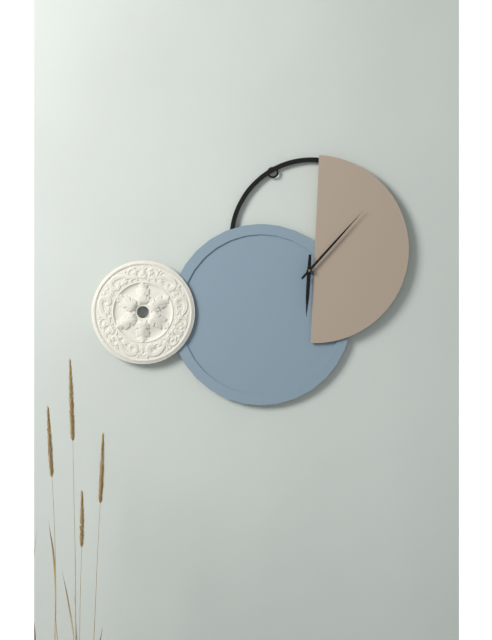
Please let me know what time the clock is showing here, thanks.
6:07
